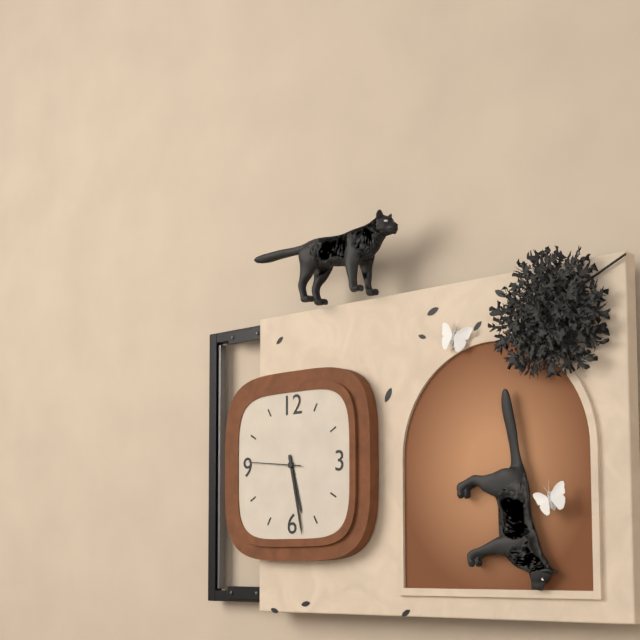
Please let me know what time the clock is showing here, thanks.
5:28:46
